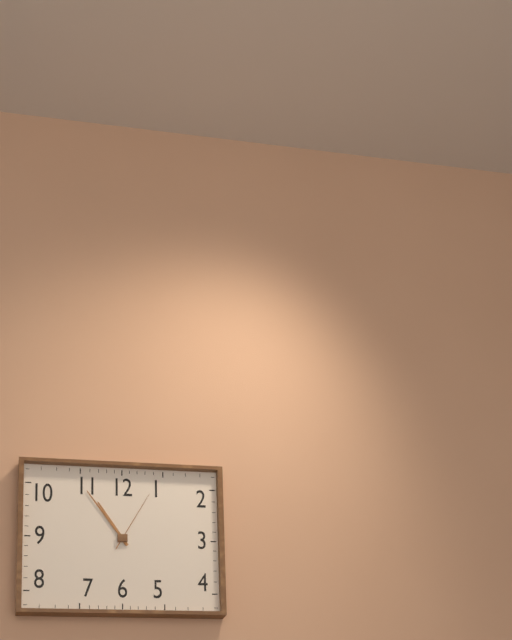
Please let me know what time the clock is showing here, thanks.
10:54:05
